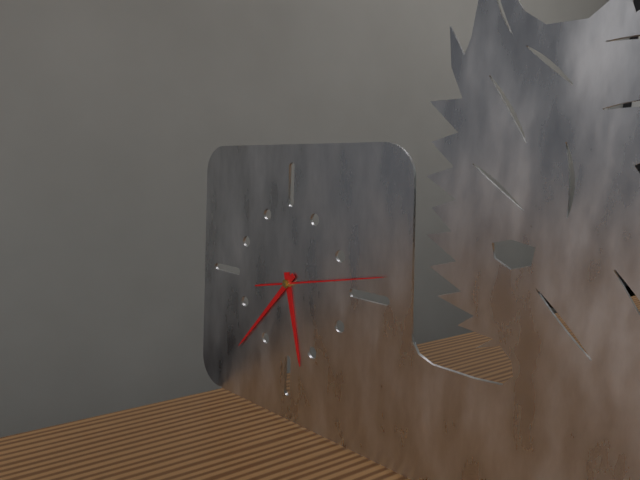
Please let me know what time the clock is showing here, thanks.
5:37:13
